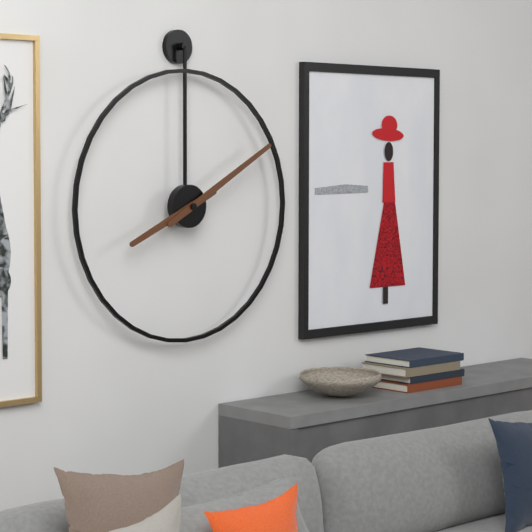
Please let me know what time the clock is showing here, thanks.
8:10
